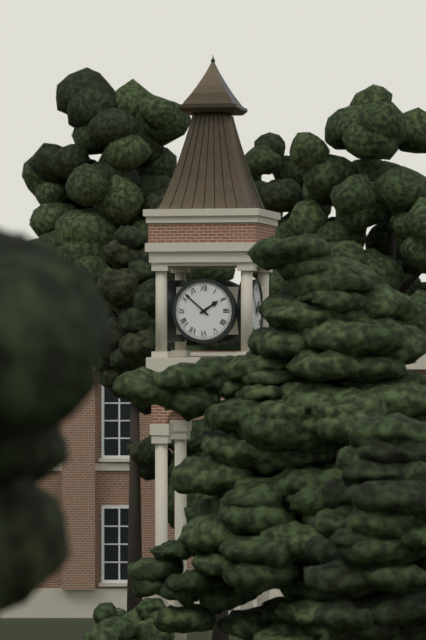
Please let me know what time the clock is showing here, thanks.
1:52
